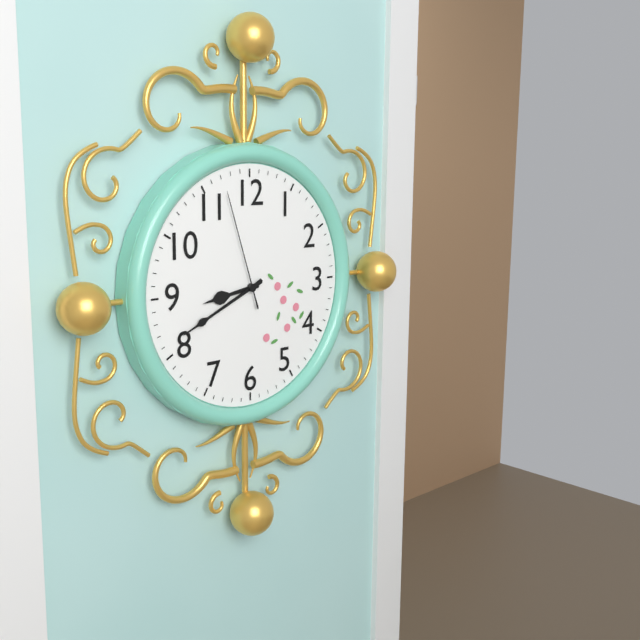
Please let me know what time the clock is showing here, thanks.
8:41:57
